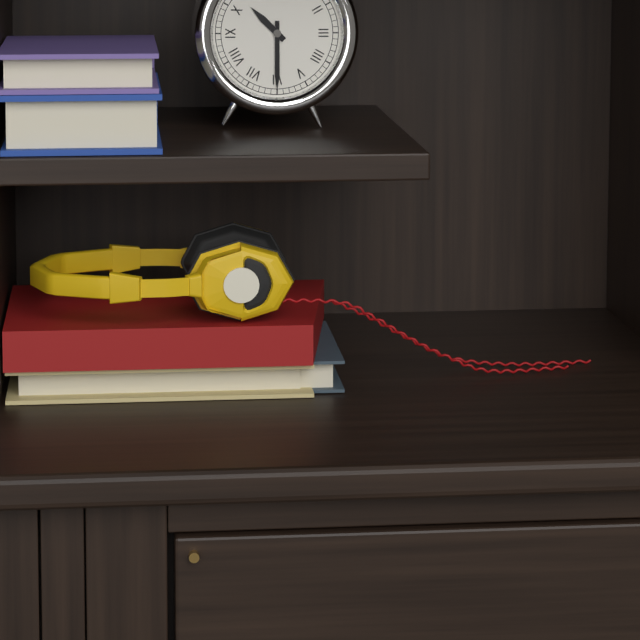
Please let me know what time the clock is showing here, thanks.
10:30
